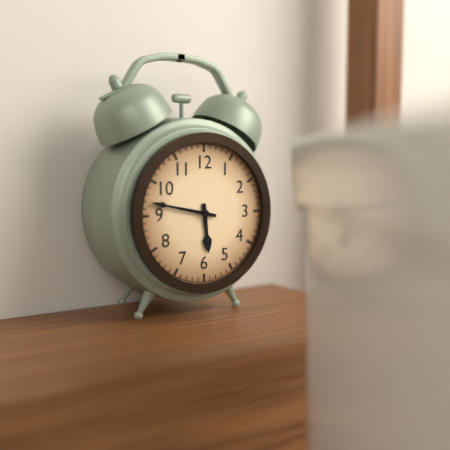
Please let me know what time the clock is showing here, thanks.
5:47
